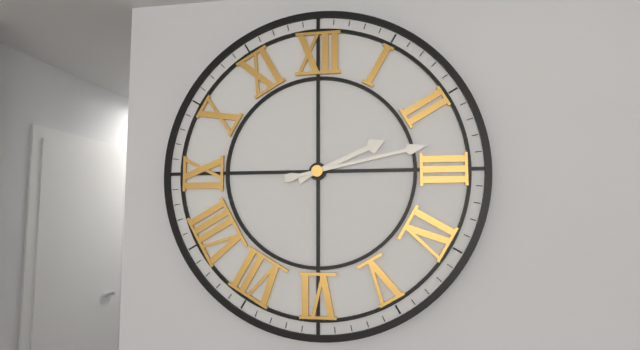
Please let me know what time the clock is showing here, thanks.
2:13
